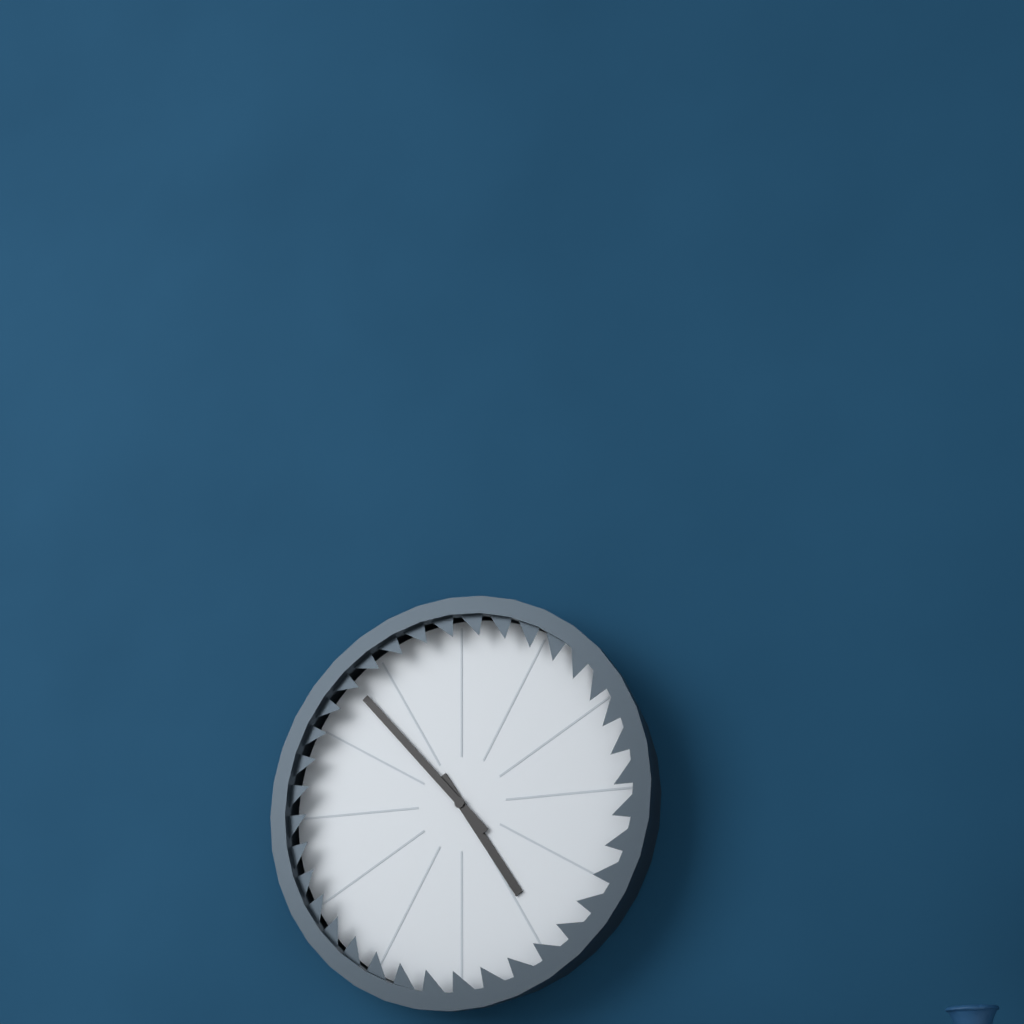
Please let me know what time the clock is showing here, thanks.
4:53
